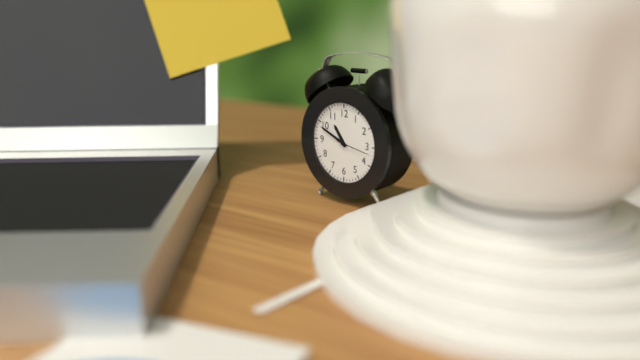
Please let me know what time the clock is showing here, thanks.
10:49
